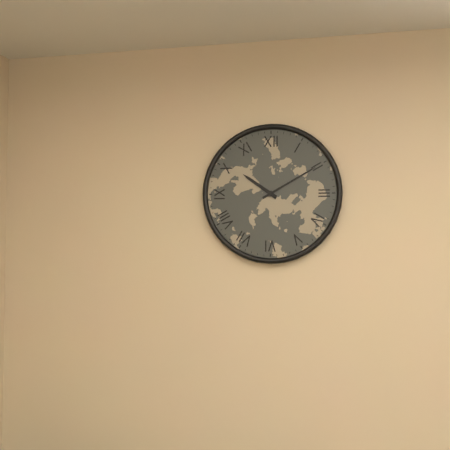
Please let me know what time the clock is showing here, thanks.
10:10
